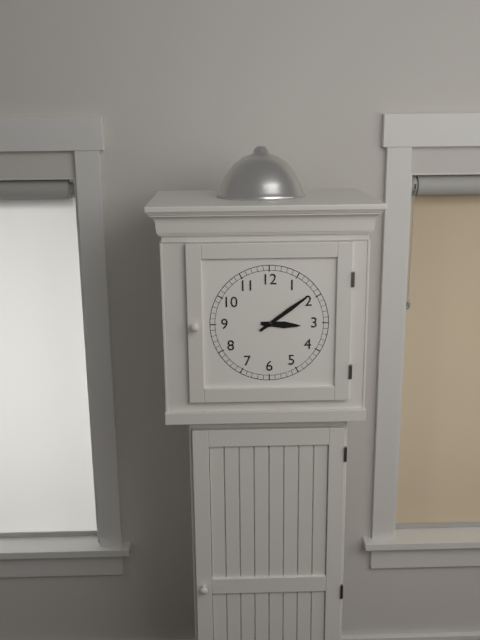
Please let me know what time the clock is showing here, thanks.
3:09
